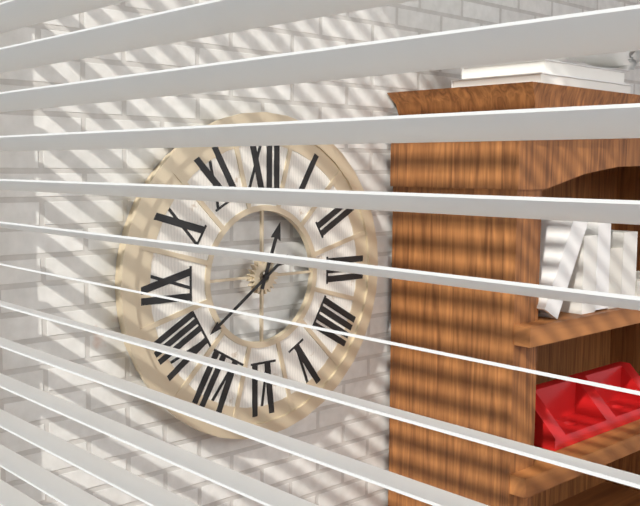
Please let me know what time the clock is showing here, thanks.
12:39
